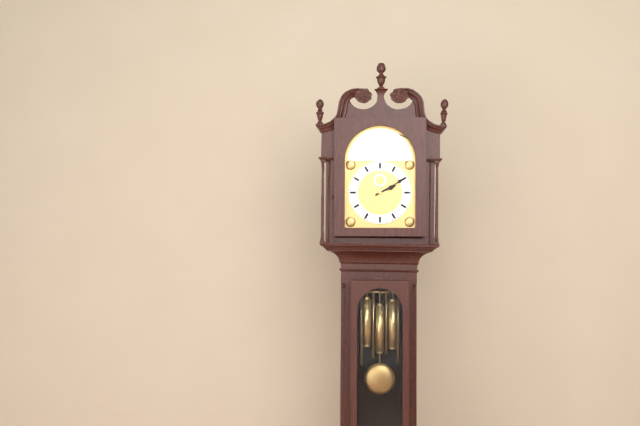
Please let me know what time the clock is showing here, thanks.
2:10
